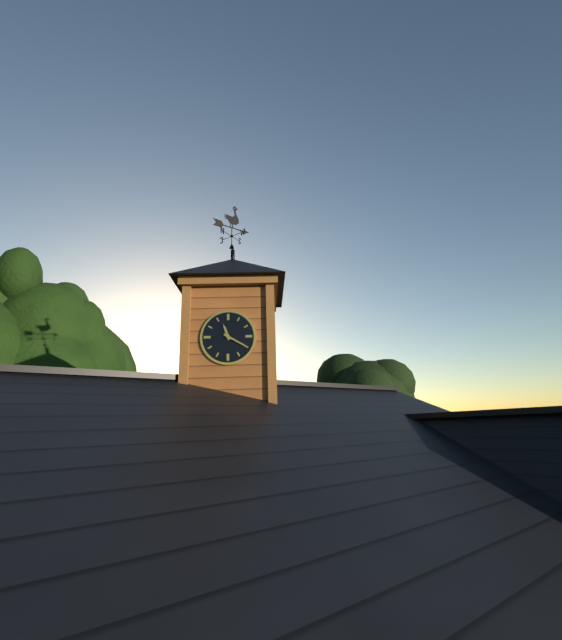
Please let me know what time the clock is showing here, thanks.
11:20
